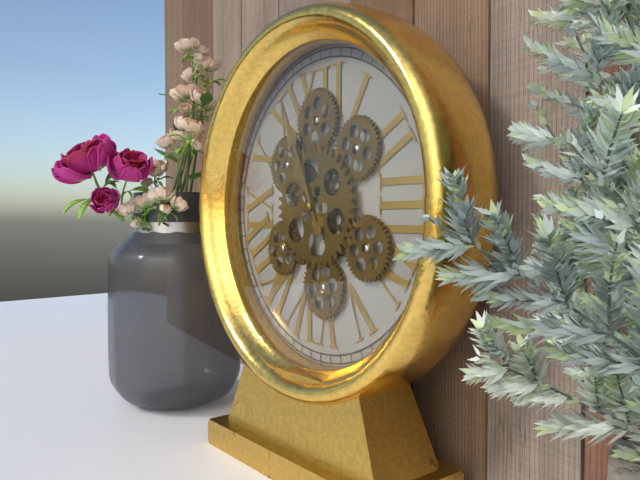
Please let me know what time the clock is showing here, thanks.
10:56
